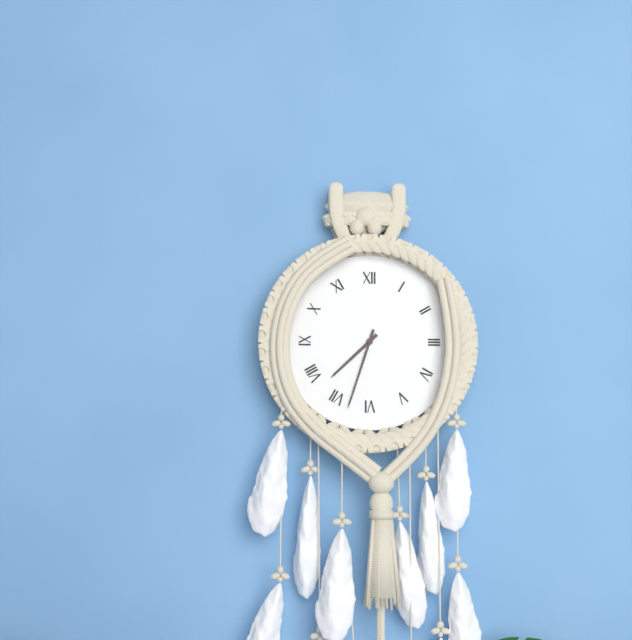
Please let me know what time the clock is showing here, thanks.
7:33
